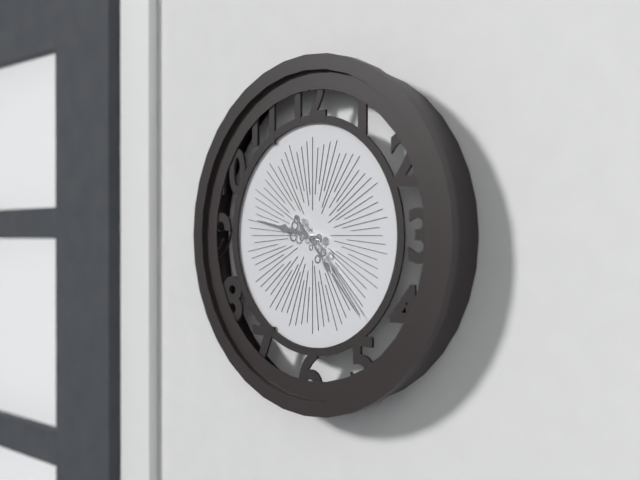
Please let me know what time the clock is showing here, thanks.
9:23
